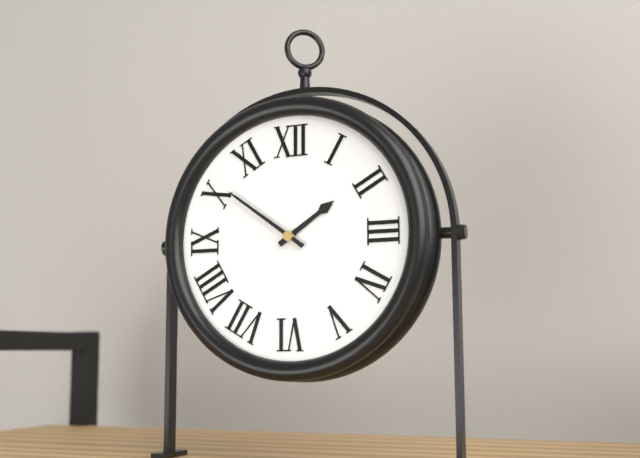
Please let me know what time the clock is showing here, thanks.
1:51
